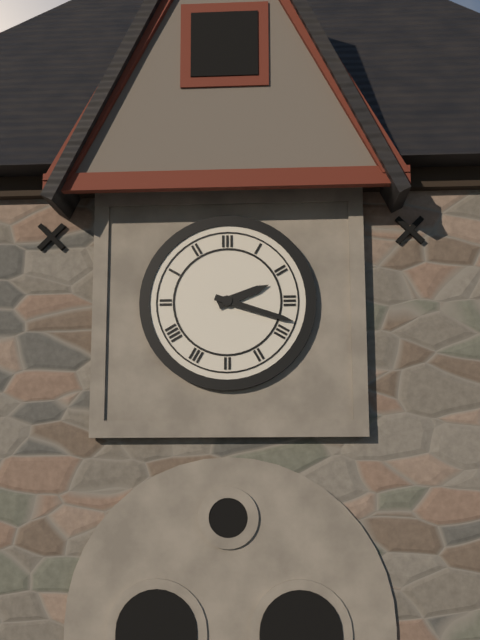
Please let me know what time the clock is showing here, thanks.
2:18
